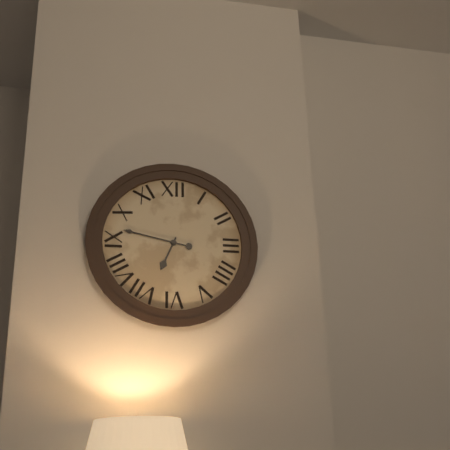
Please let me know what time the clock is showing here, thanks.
6:47
